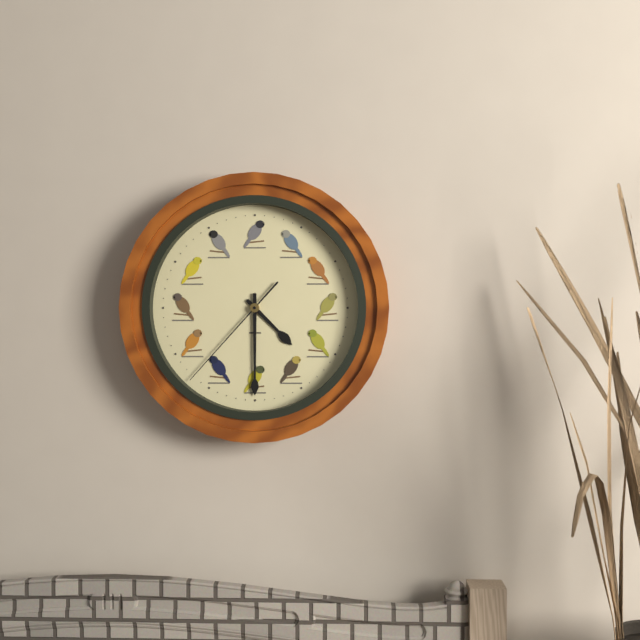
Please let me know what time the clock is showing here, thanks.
4:30:37
